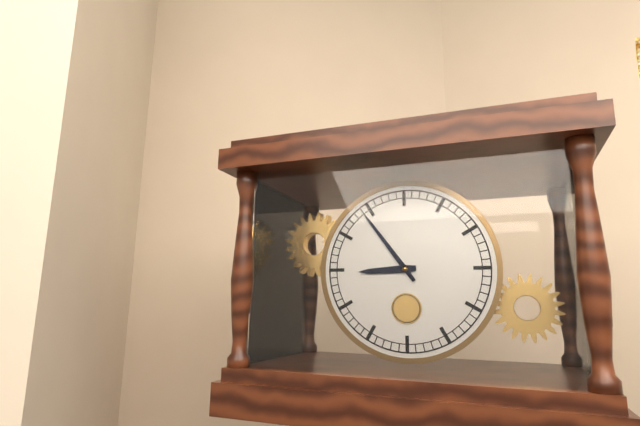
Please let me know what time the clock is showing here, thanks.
8:54
